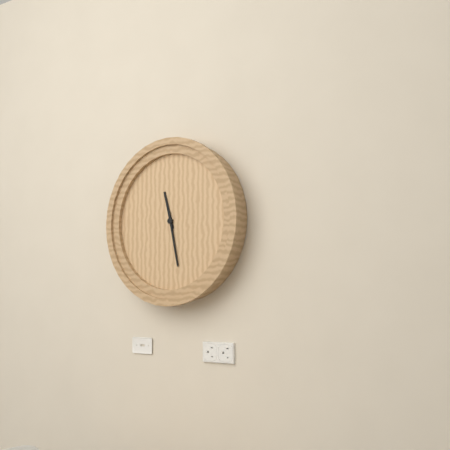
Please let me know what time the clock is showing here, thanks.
11:28
